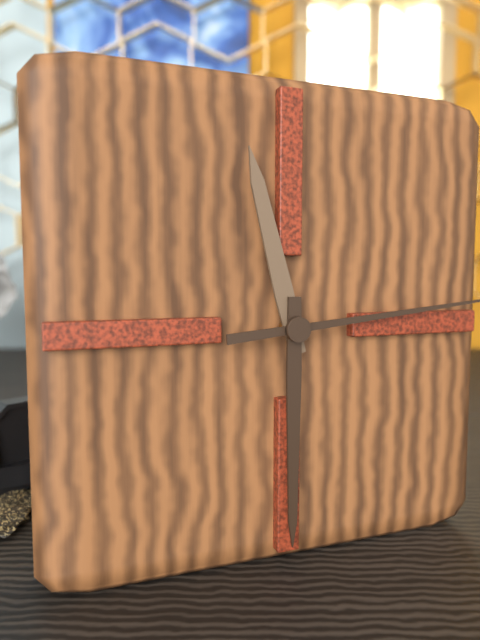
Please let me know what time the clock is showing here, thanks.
11:30
